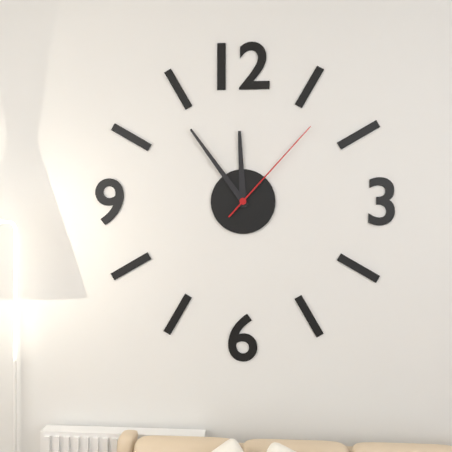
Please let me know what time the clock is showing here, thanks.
11:54:07
